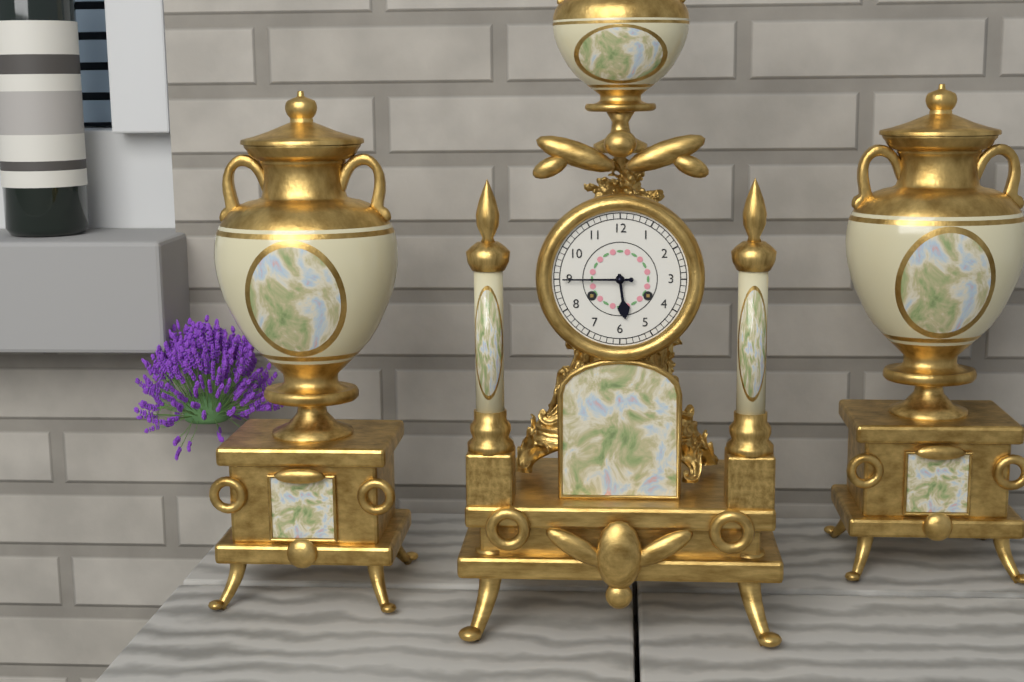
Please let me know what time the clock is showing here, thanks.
5:45
